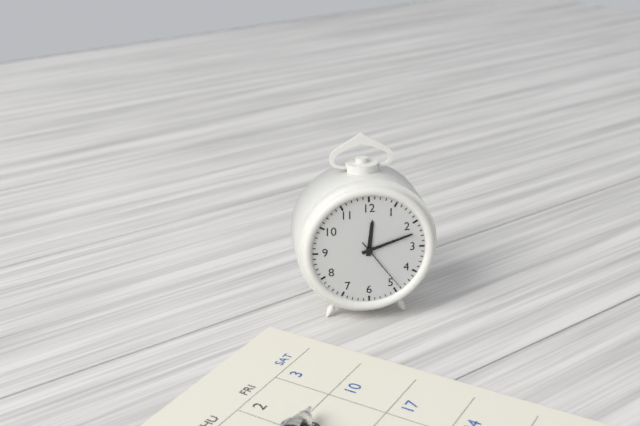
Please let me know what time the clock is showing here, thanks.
12:12:24
